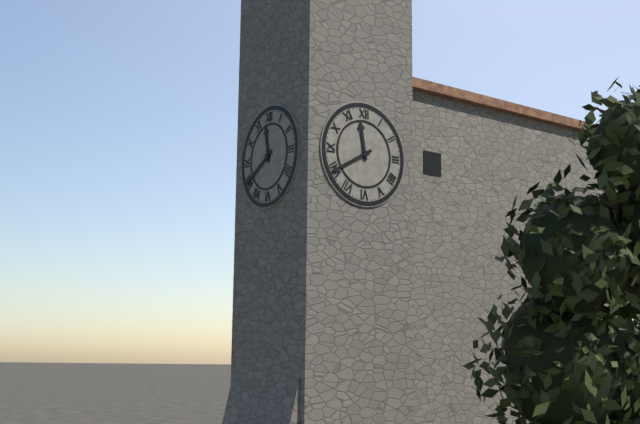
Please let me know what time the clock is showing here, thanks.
11:40
